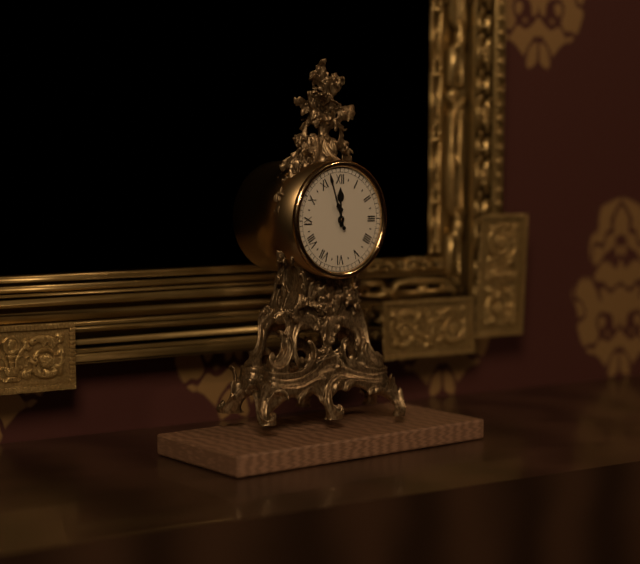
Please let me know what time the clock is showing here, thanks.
11:57
